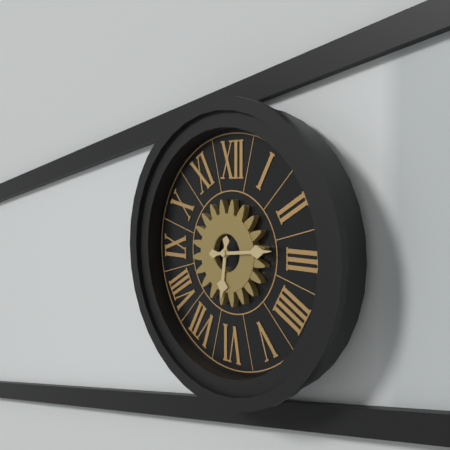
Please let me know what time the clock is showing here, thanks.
6:14
